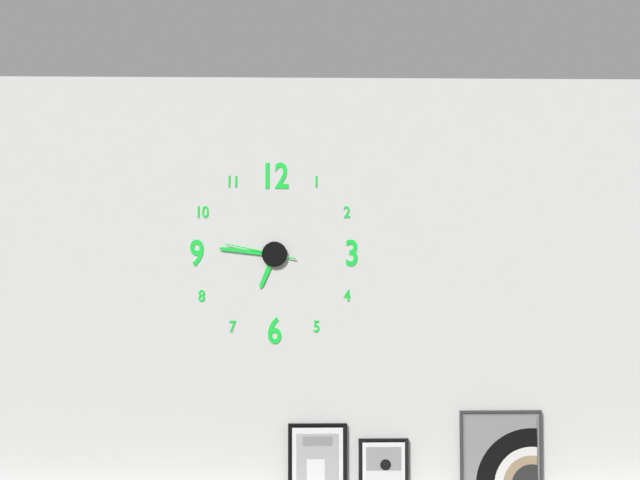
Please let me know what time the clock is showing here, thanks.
6:46:47
